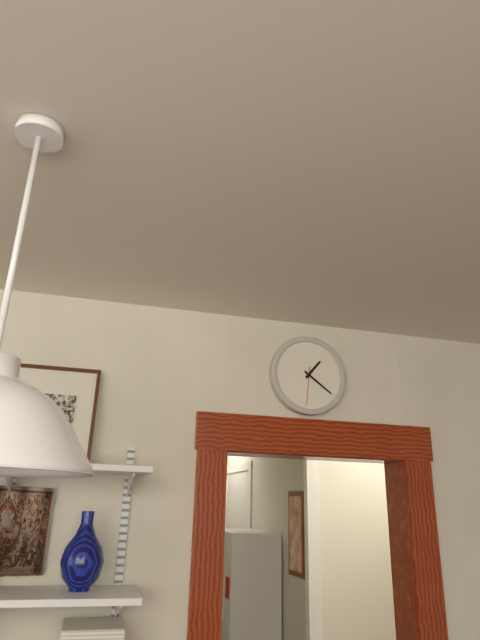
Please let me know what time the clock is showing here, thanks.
1:21
